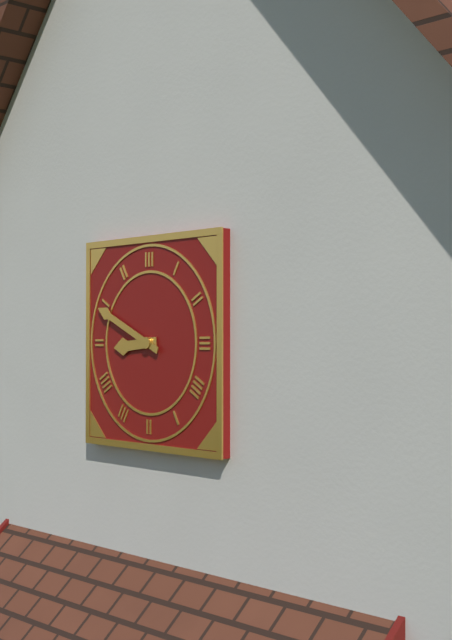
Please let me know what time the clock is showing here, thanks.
8:49
